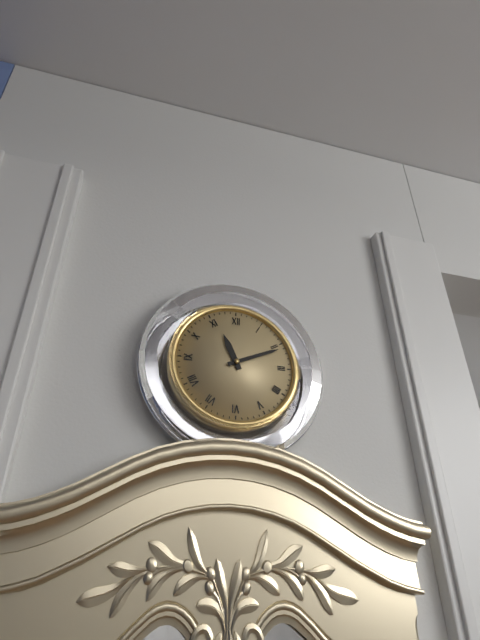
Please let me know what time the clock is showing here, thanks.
11:11
